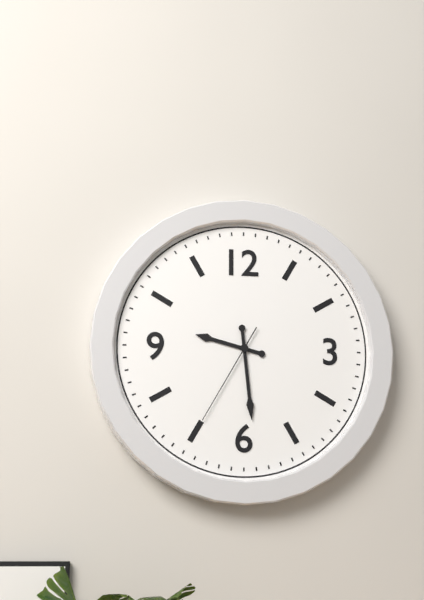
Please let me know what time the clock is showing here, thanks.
9:29:35
